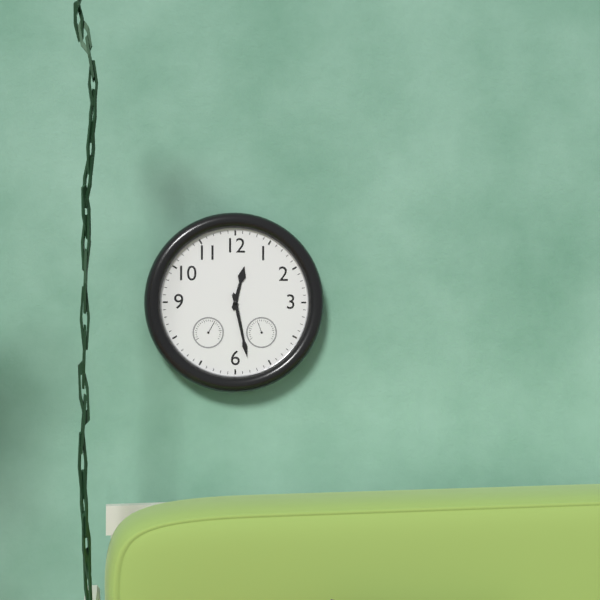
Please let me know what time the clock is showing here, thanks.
12:28
